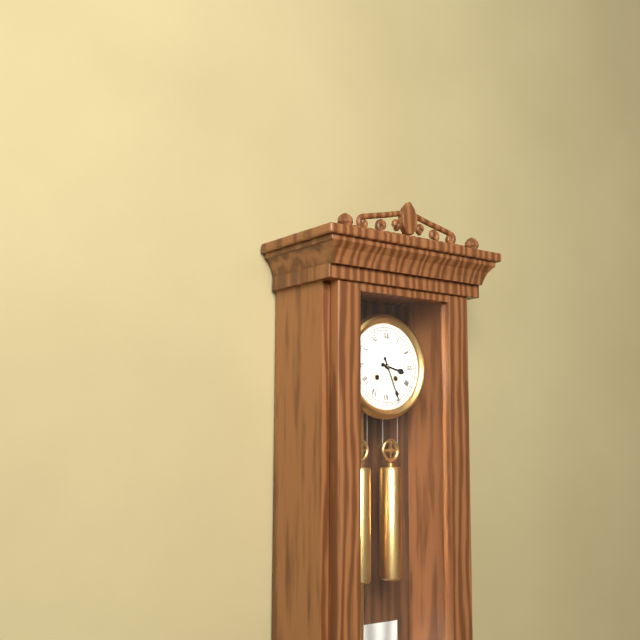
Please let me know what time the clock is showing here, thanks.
3:26
